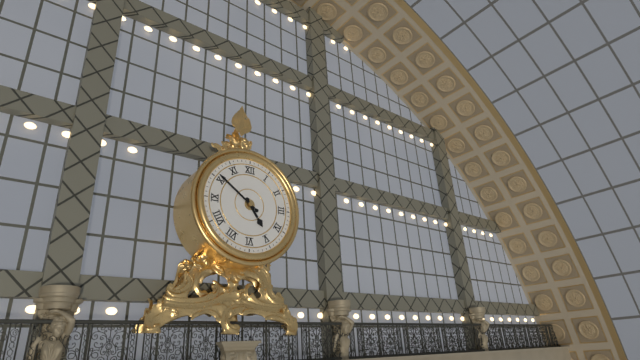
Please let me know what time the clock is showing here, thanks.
4:51
